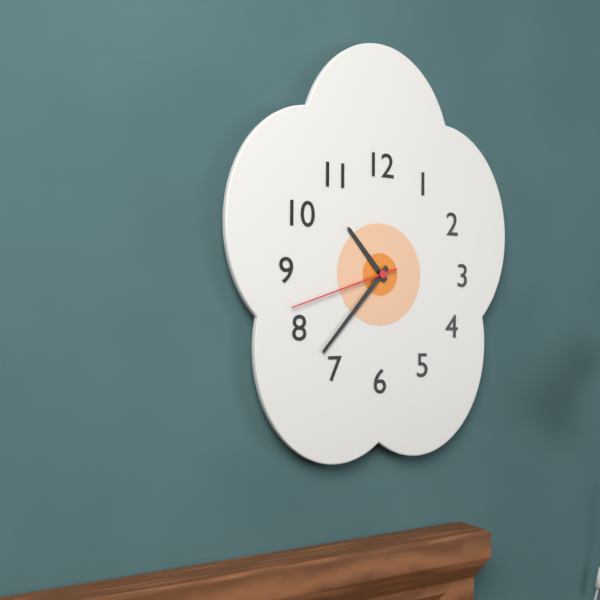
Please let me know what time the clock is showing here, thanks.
10:37:42
